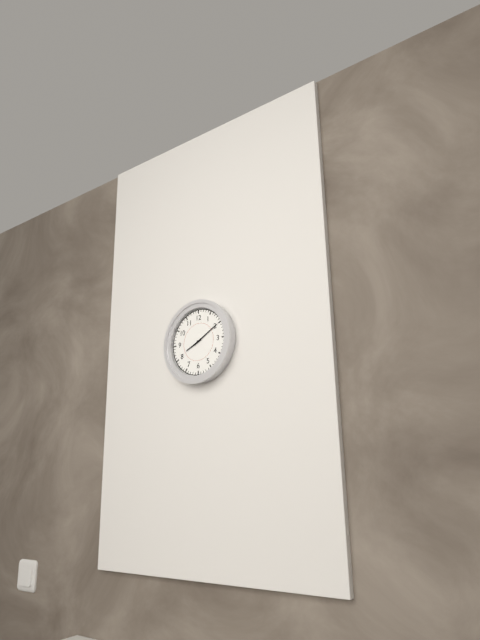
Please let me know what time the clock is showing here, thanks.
8:10
